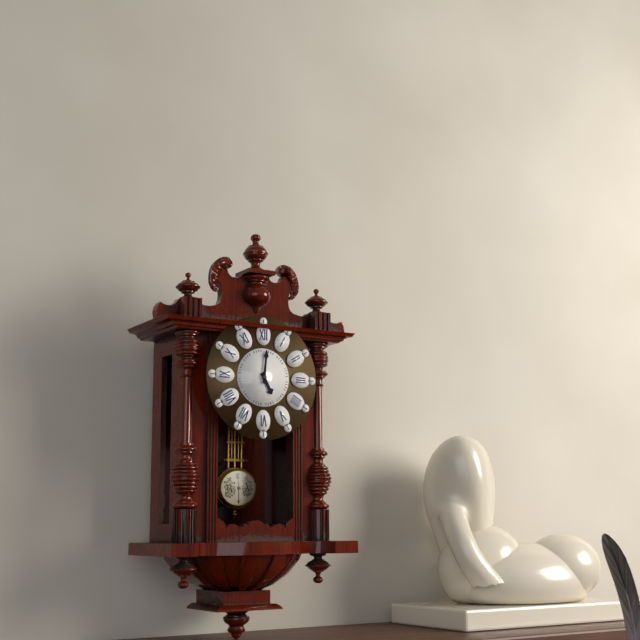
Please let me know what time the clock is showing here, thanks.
5:01
